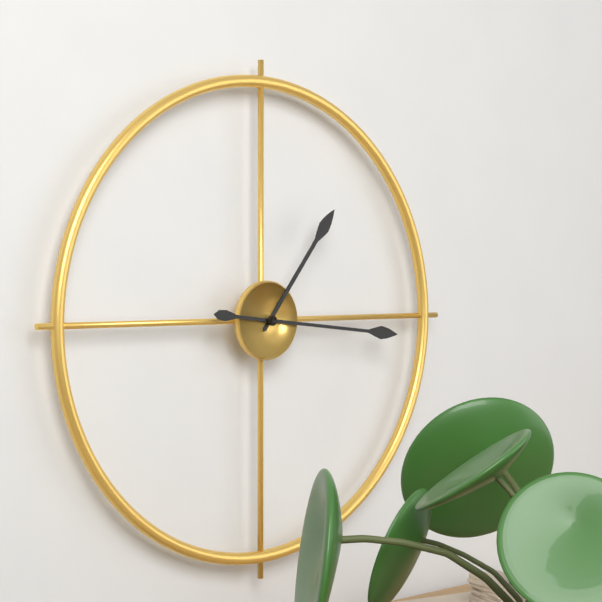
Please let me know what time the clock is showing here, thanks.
1:16
